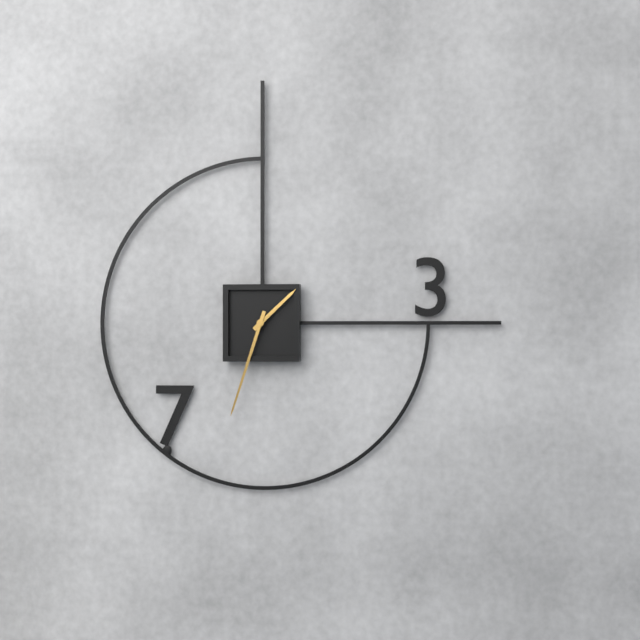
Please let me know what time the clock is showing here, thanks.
1:33
